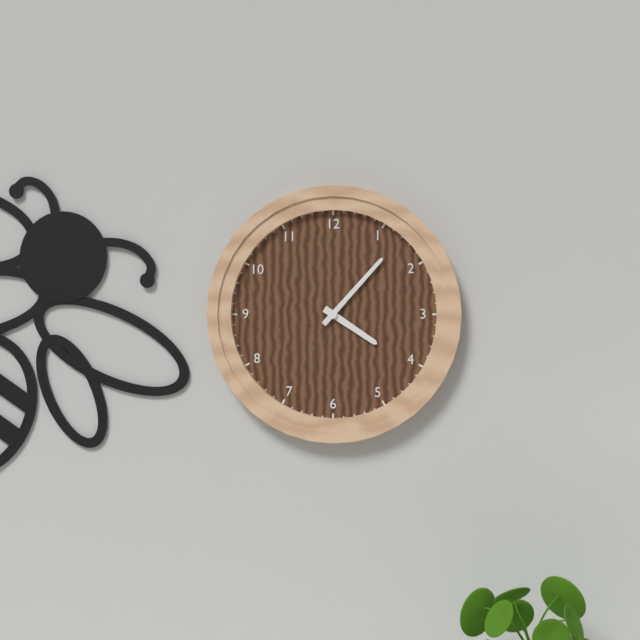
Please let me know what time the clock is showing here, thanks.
4:07
